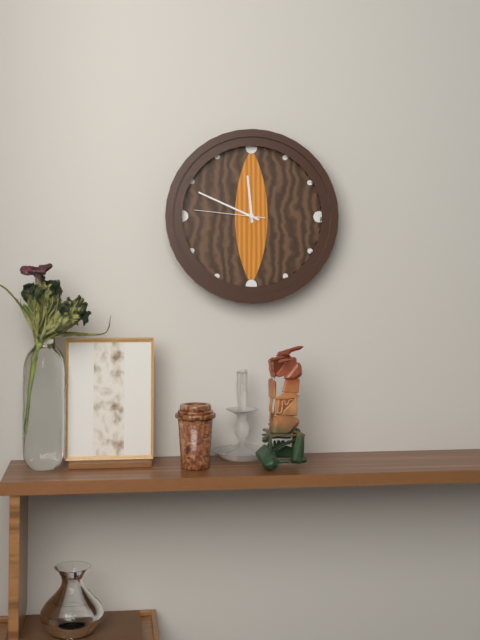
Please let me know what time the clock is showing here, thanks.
11:49:46
